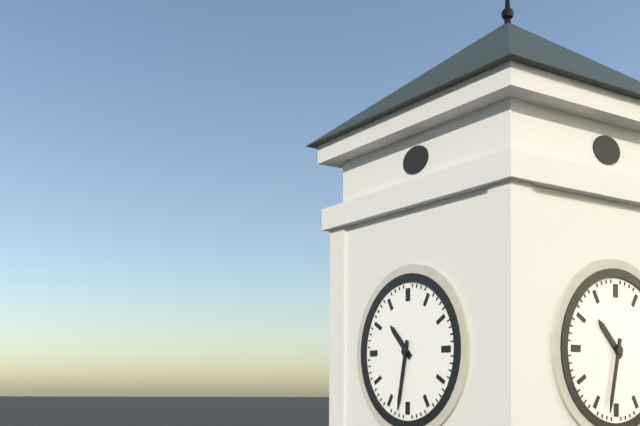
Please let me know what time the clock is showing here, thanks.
10:32
